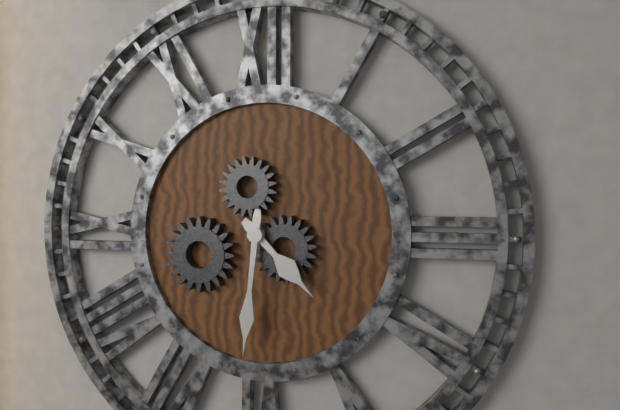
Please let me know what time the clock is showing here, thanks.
4:31
